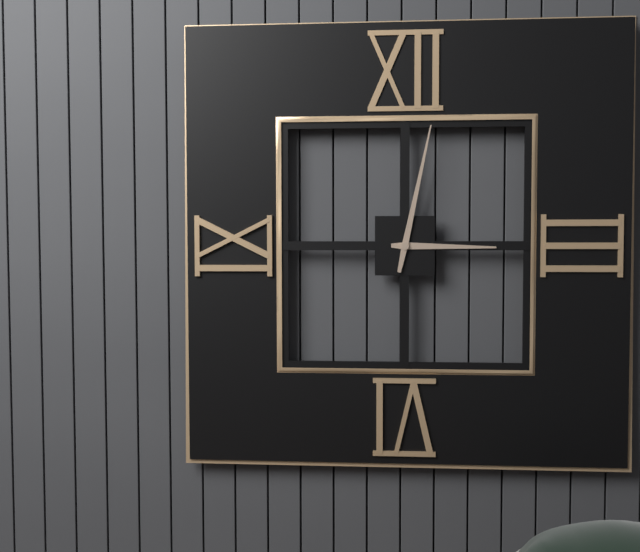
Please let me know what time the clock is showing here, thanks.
3:02
